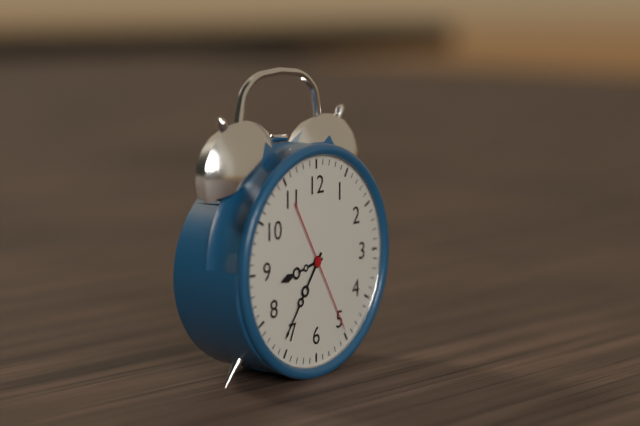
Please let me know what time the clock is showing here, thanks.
8:36:25
